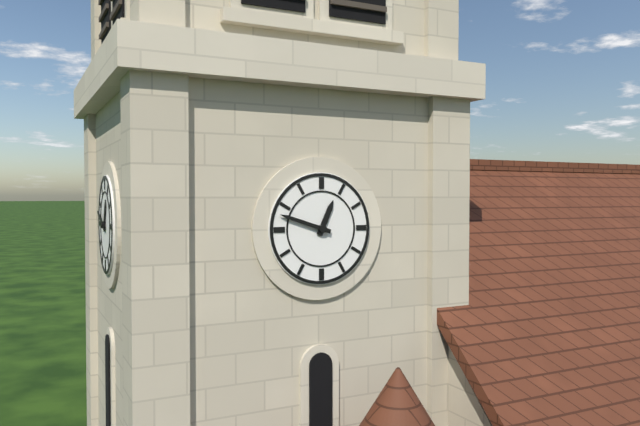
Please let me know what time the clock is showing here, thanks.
12:48
